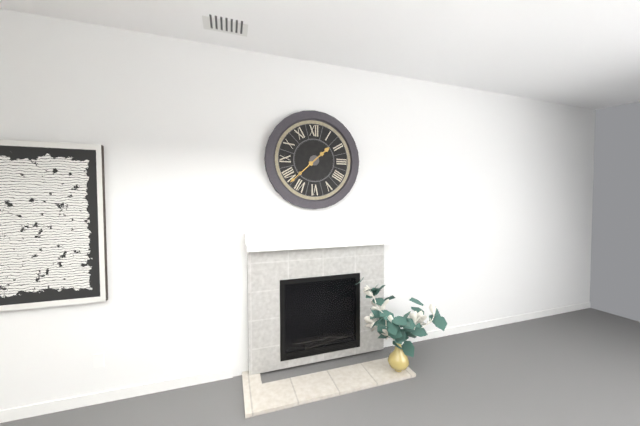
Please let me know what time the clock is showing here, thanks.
1:38
